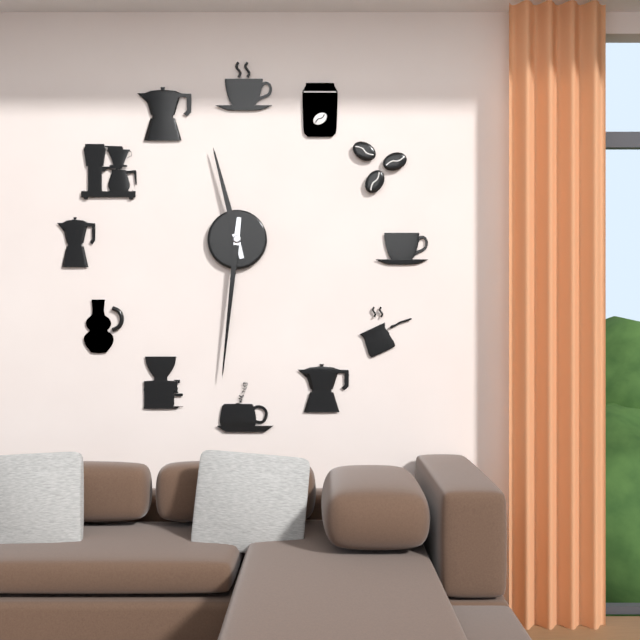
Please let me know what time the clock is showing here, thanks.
11:31
